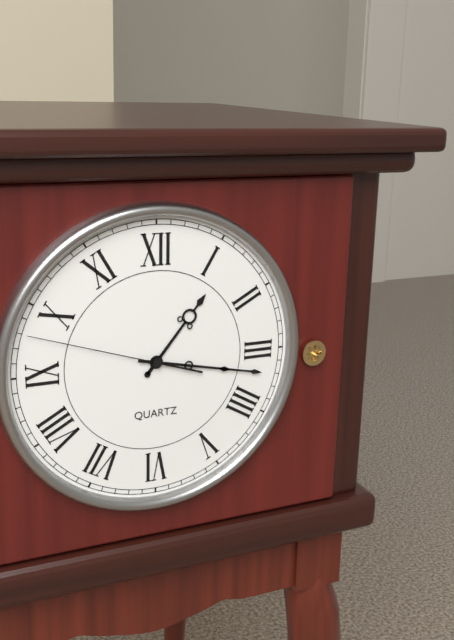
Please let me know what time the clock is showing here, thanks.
1:17:48
